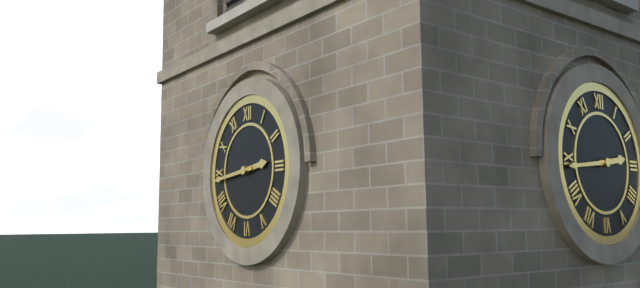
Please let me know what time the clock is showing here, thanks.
2:44
